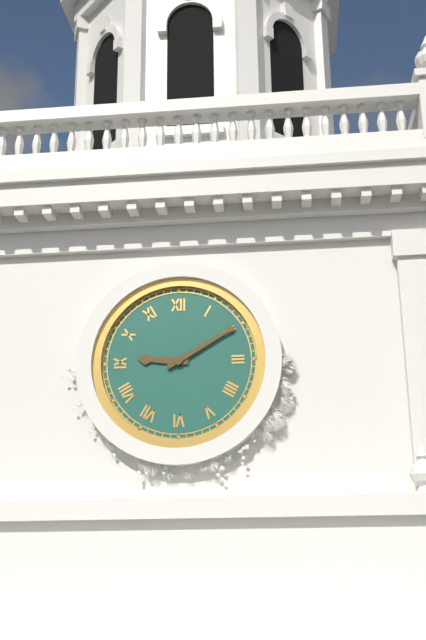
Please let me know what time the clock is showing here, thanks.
9:10
